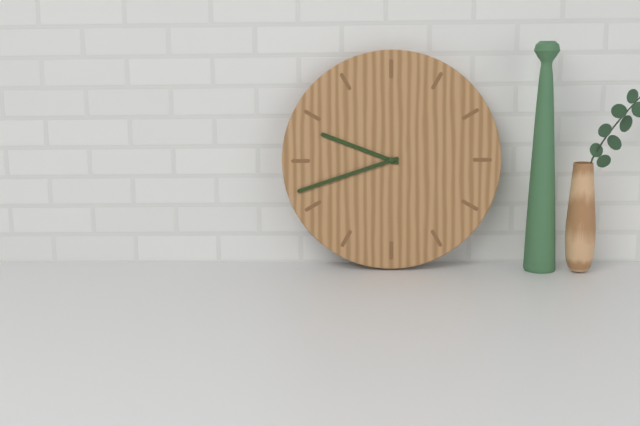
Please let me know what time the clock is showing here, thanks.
9:42
